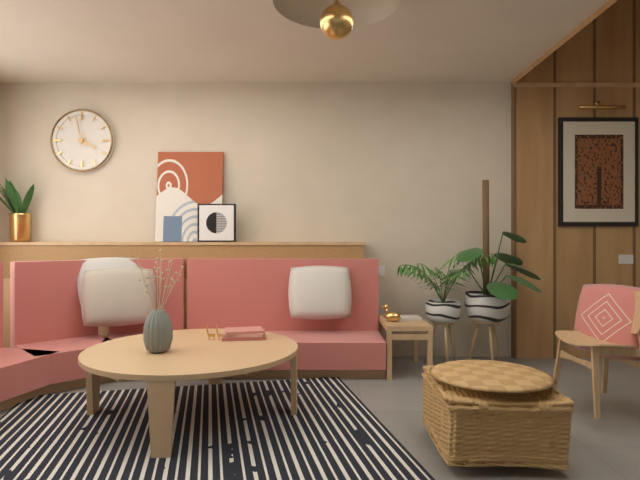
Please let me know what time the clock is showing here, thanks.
3:58
